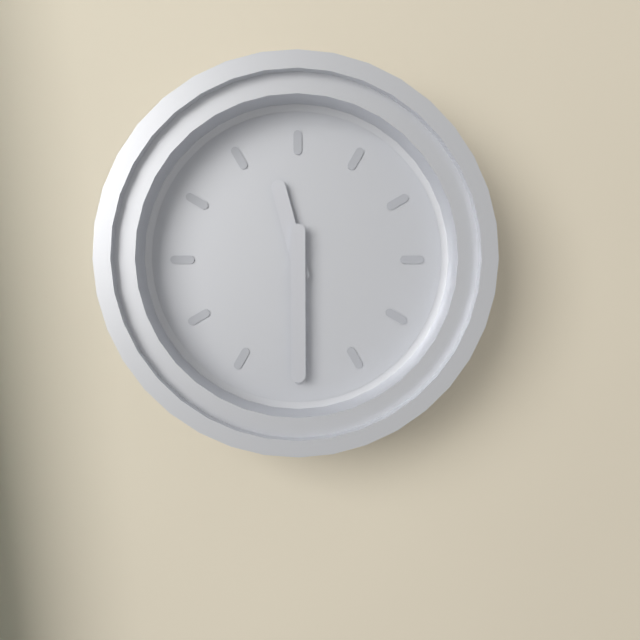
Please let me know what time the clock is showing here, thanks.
11:30
